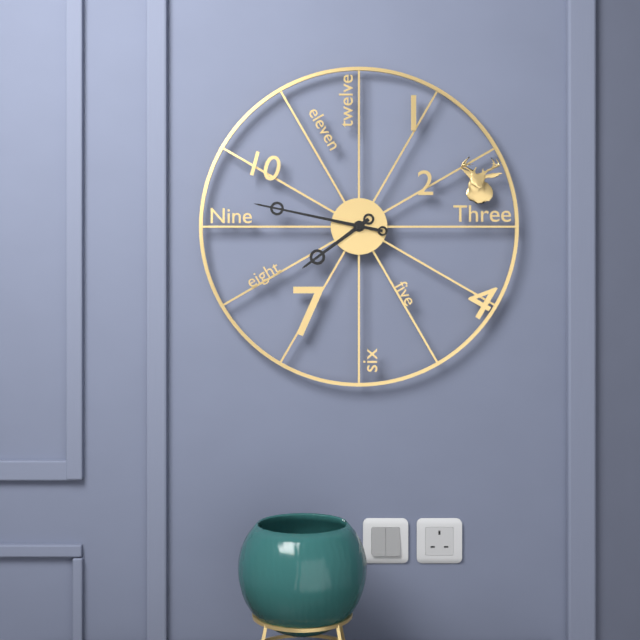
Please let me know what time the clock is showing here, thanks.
7:47
